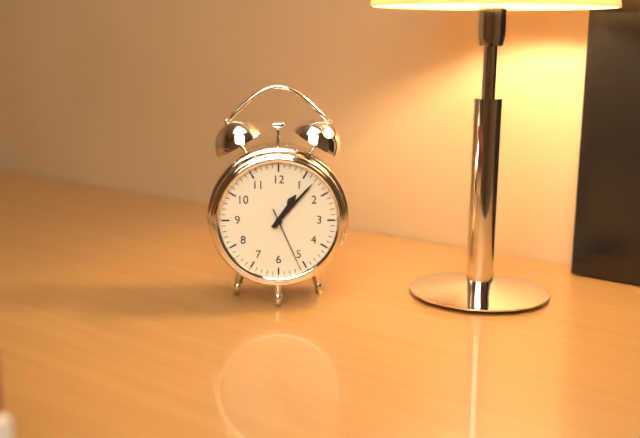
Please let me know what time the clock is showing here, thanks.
1:07:26
